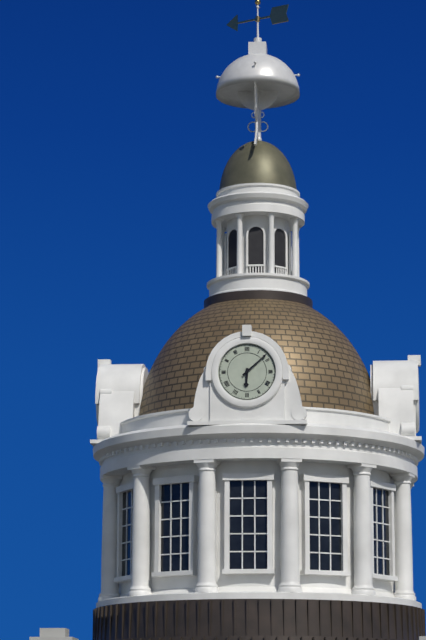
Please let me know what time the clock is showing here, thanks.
6:08
